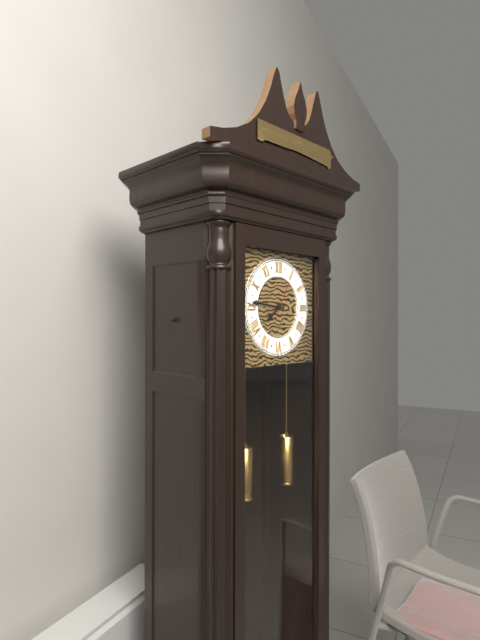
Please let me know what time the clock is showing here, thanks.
7:46
